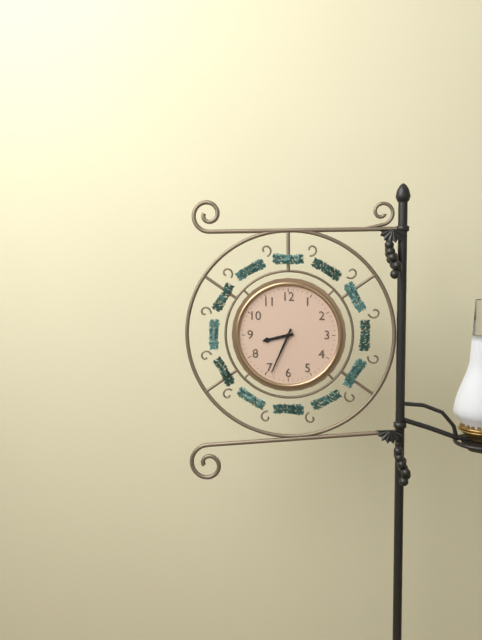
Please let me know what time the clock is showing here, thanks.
8:34
